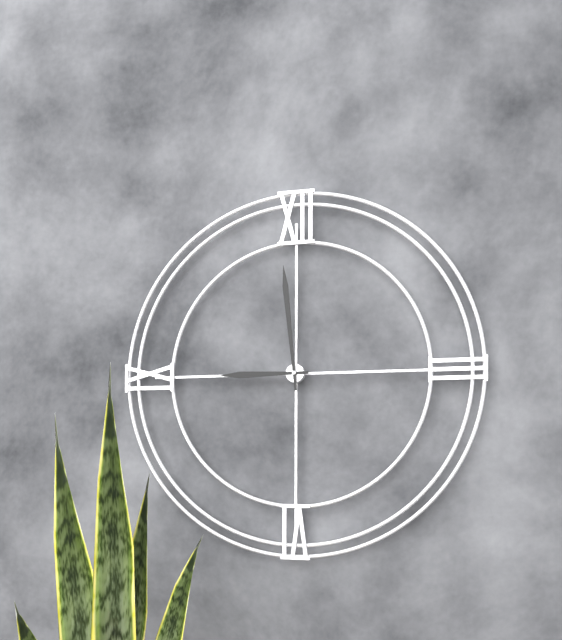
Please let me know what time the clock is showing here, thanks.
8:59
